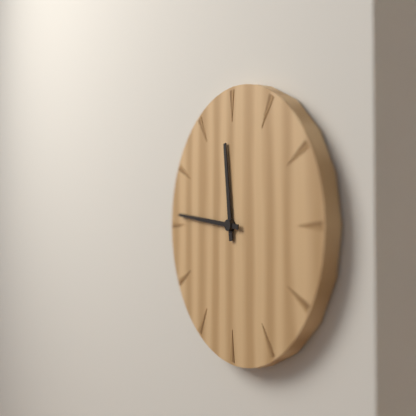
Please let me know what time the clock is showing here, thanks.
11:46
